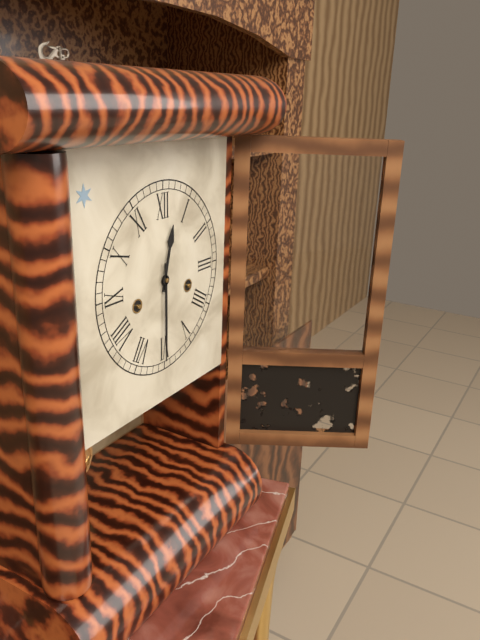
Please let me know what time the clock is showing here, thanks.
12:30
